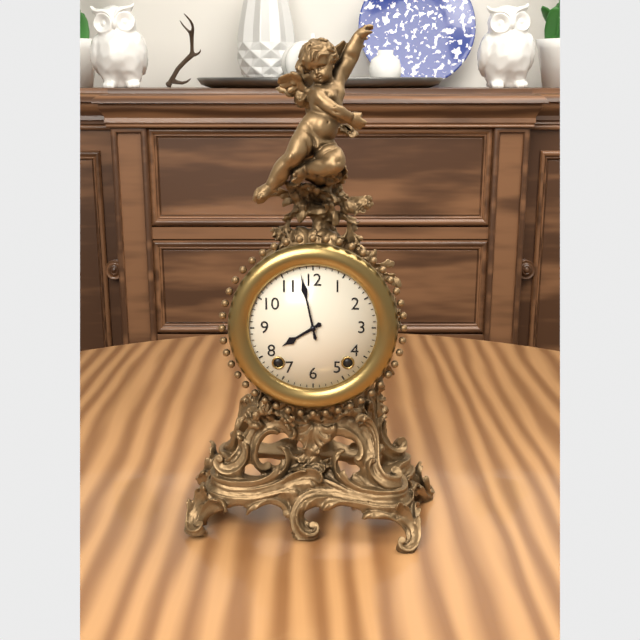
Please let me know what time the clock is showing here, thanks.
7:58
